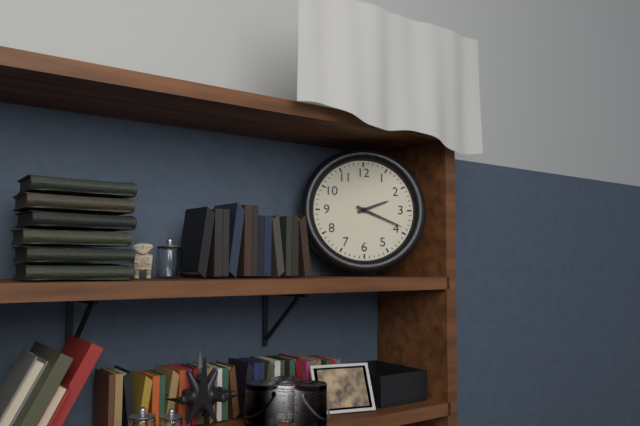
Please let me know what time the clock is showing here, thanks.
2:19
